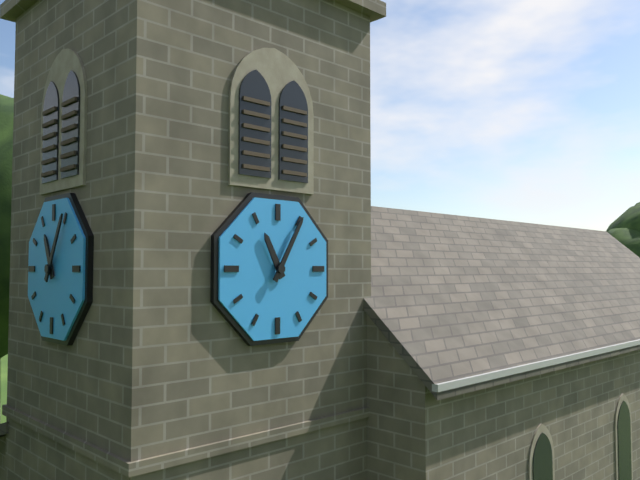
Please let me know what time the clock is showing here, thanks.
11:05
